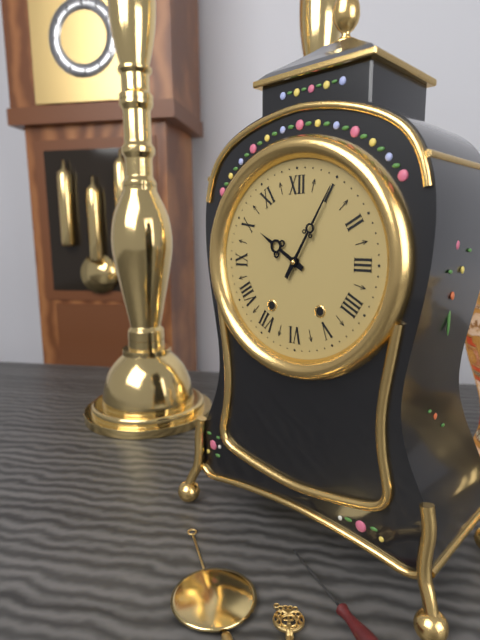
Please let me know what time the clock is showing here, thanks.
10:05
